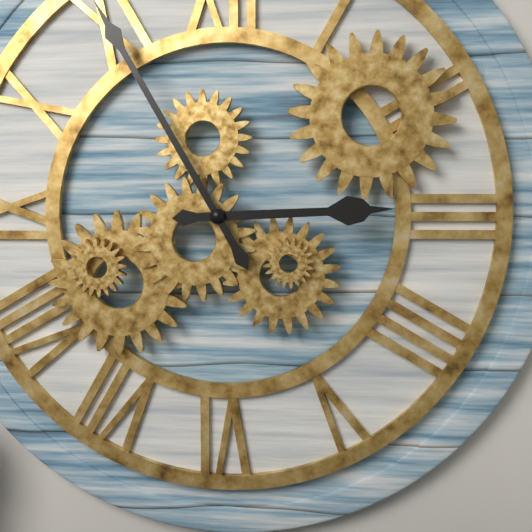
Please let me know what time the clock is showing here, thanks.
2:55
